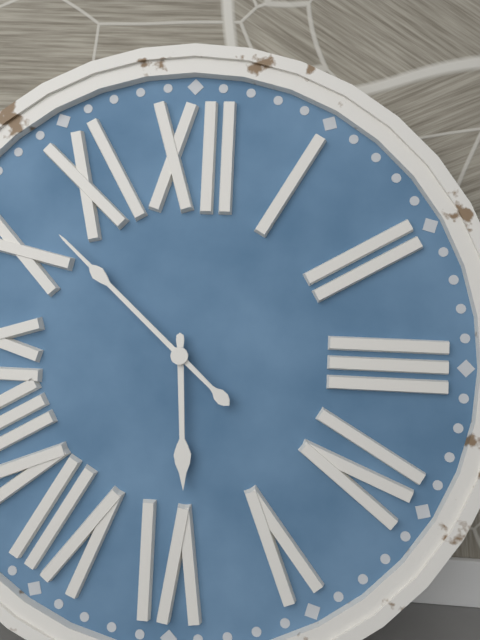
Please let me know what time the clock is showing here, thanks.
5:52
